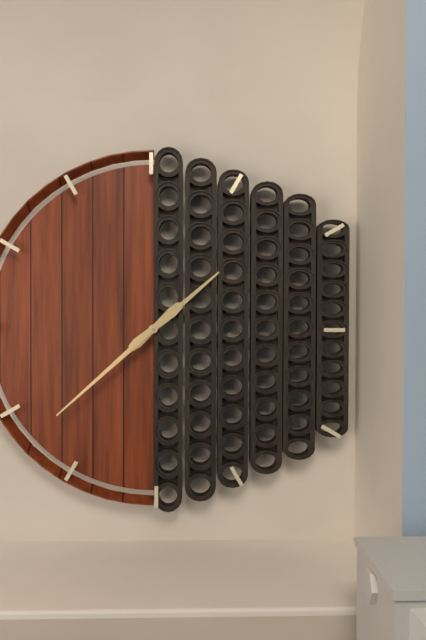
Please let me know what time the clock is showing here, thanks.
1:38
